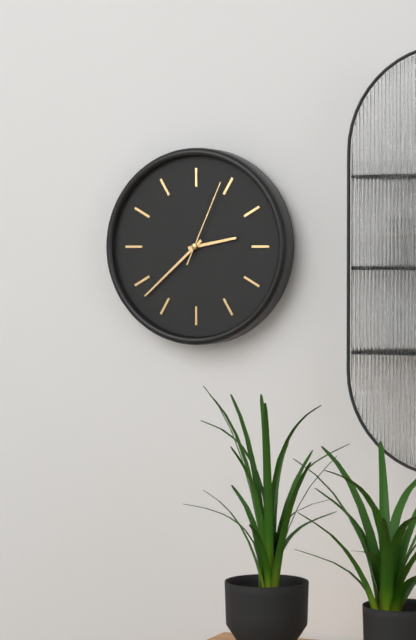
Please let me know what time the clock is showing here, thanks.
2:38:04
